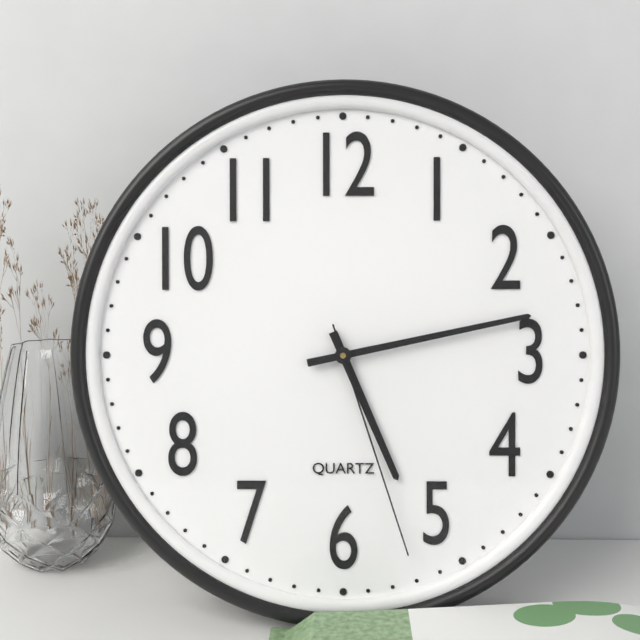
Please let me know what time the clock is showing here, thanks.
5:13:27
